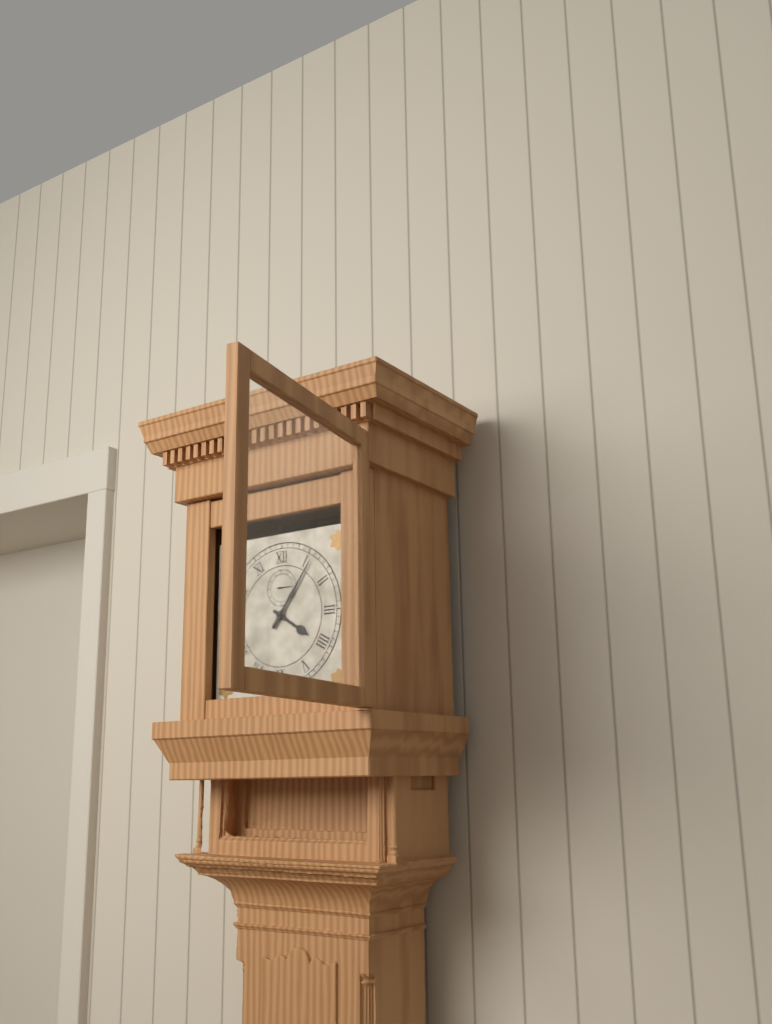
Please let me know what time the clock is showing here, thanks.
4:06
